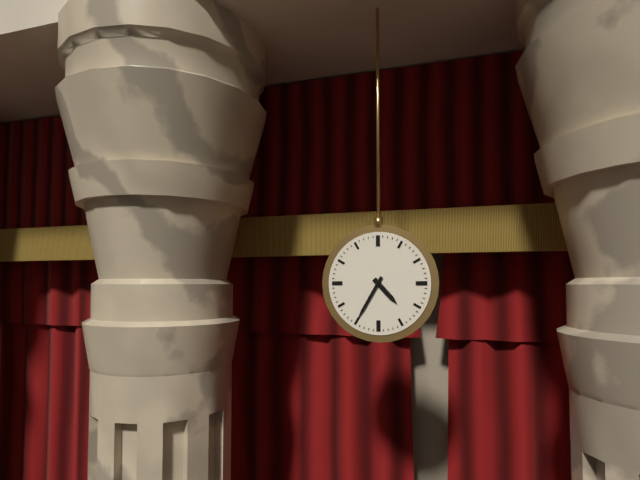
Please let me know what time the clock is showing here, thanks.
4:35
